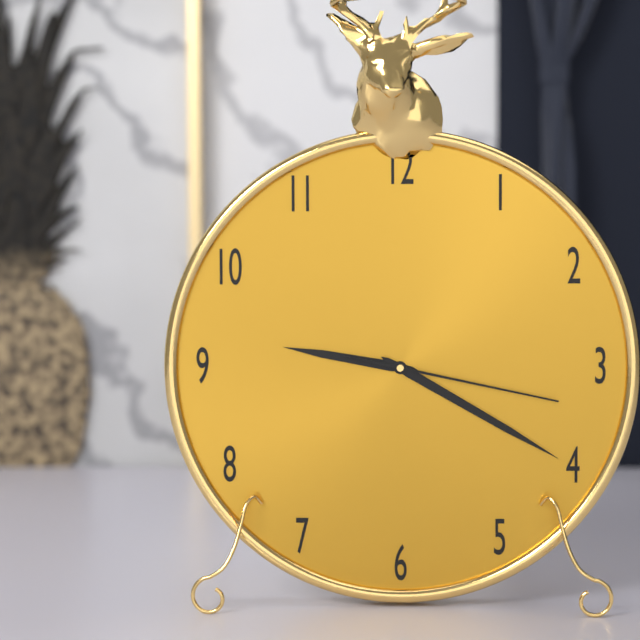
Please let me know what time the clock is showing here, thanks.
9:20:17
